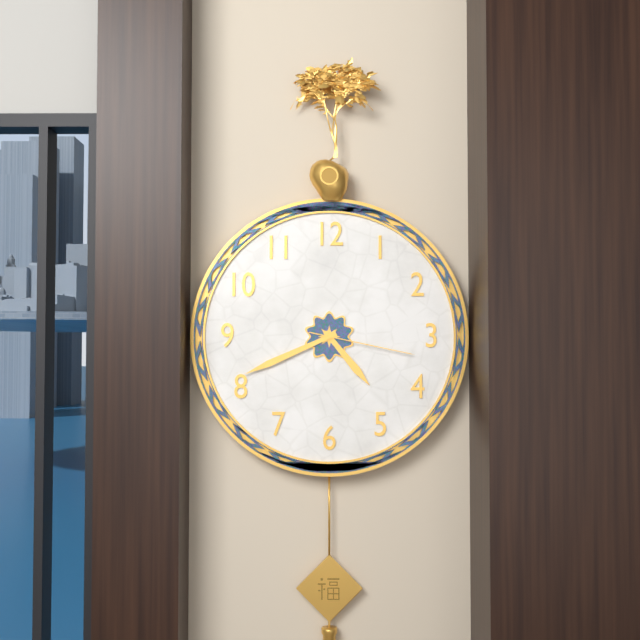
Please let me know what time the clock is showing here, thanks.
4:41:17
